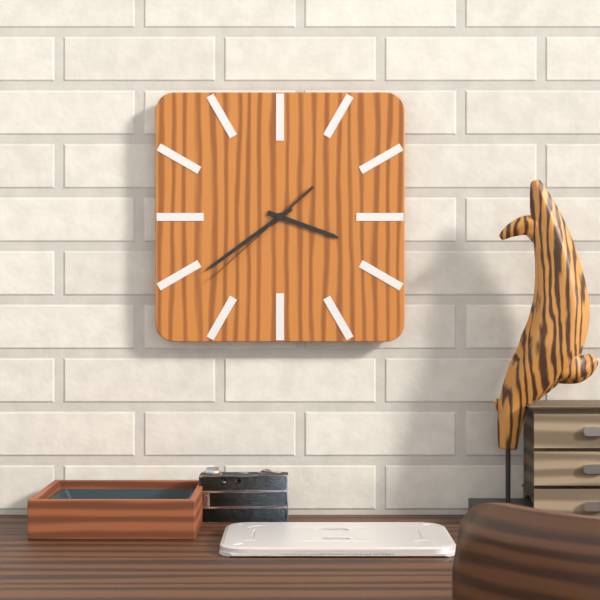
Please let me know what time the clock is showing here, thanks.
3:39:38
